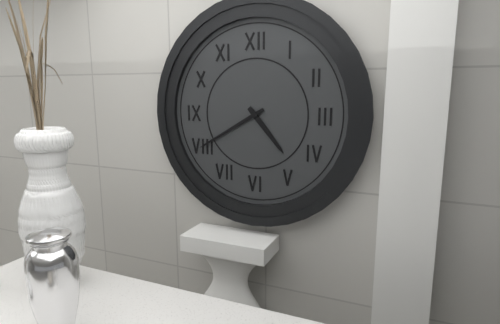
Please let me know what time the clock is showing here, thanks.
4:40
